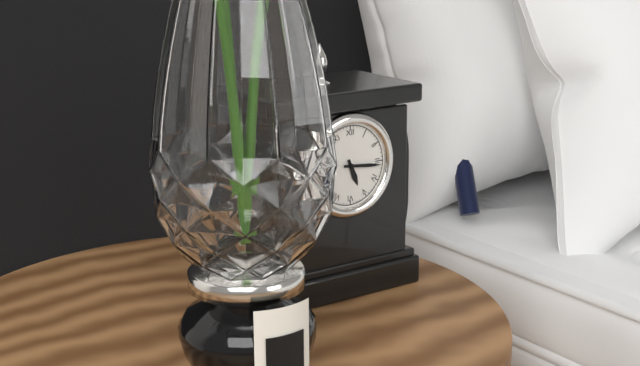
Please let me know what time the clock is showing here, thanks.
5:16
